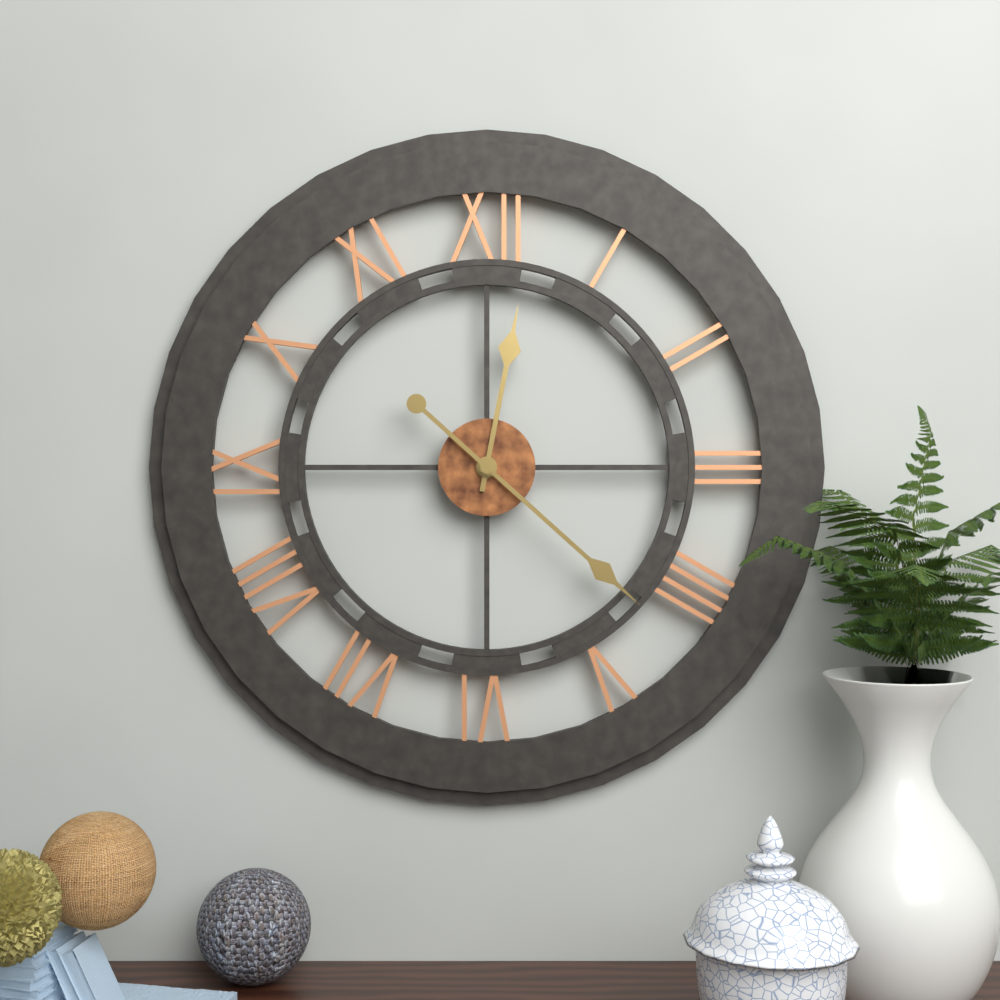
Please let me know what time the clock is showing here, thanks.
12:22
